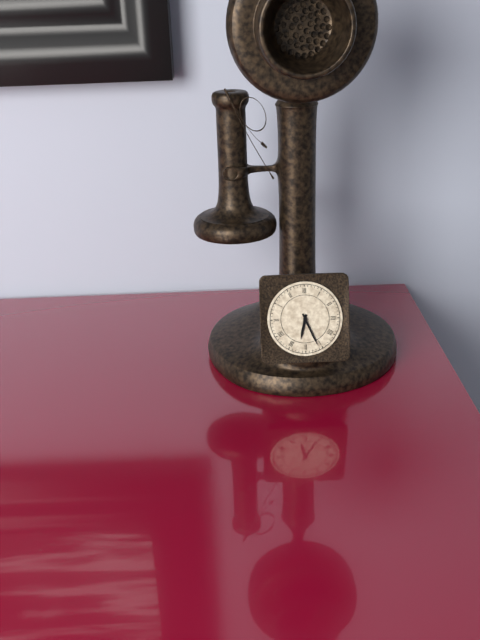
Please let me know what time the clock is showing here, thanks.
6:26
